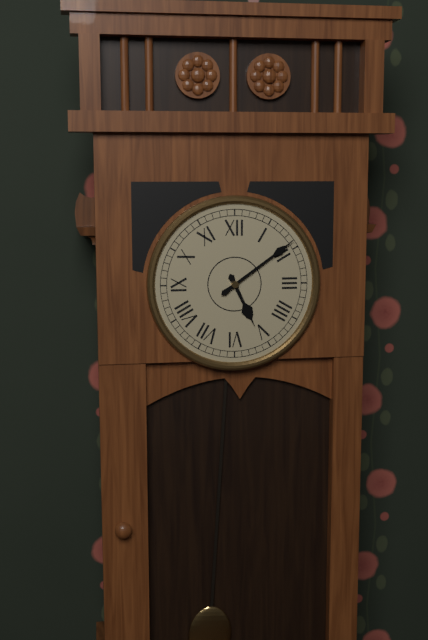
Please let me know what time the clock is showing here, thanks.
5:09
